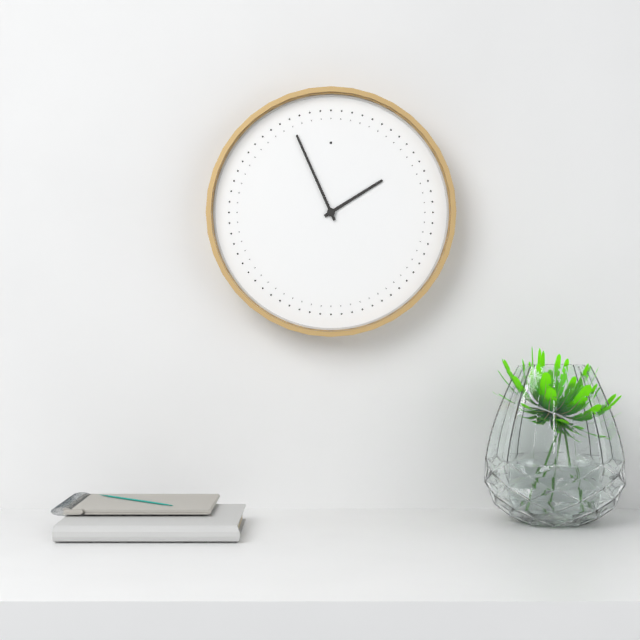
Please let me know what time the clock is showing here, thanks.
1:56
